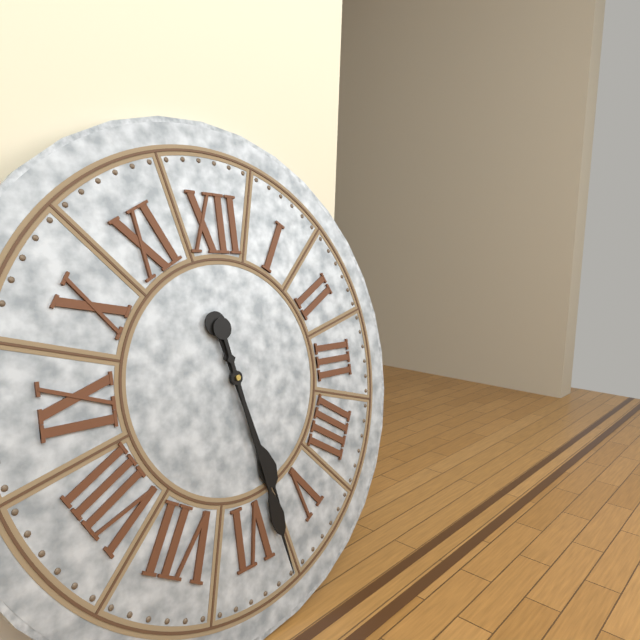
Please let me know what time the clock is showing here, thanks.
5:28
